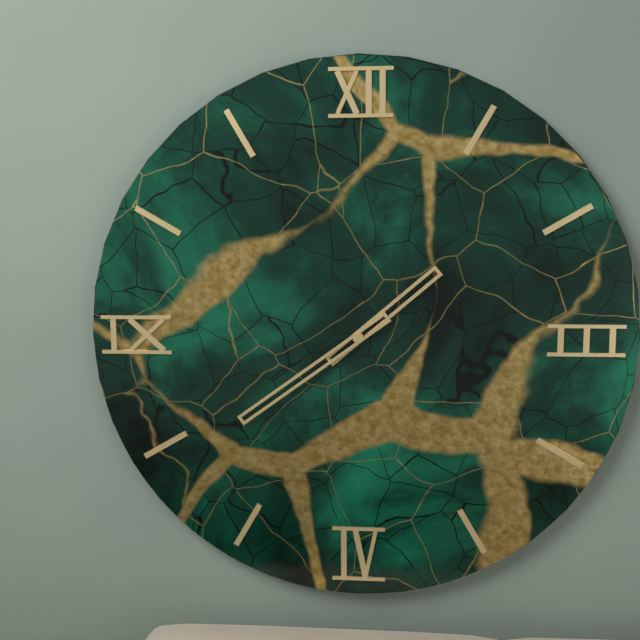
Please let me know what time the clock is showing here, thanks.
1:39
